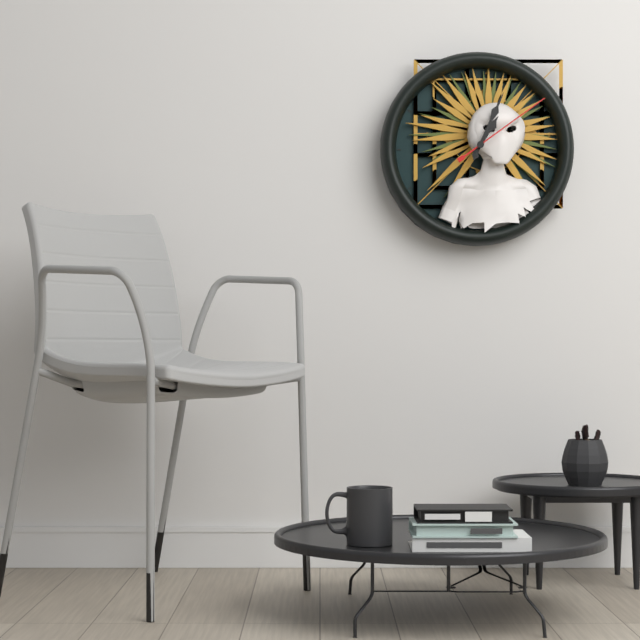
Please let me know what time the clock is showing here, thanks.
1:04:09
